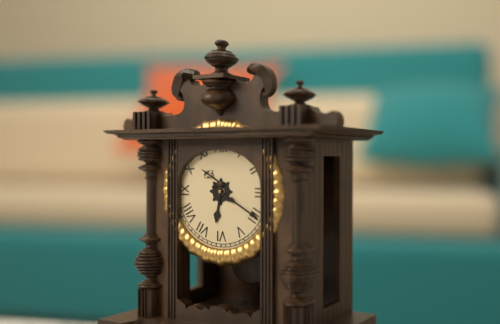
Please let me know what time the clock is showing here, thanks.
6:20
